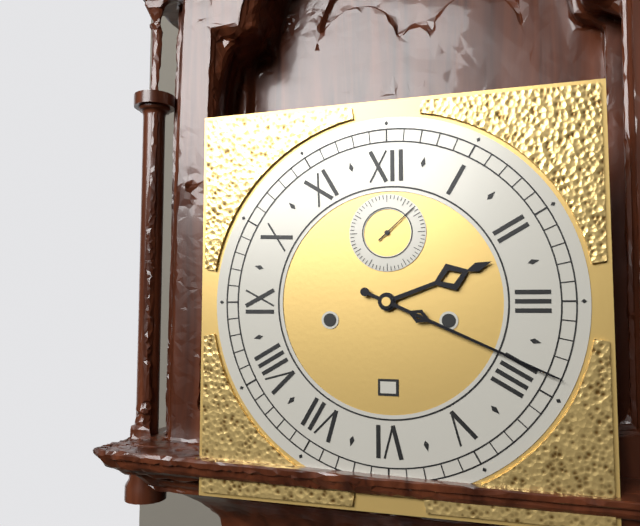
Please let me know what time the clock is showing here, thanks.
2:19
